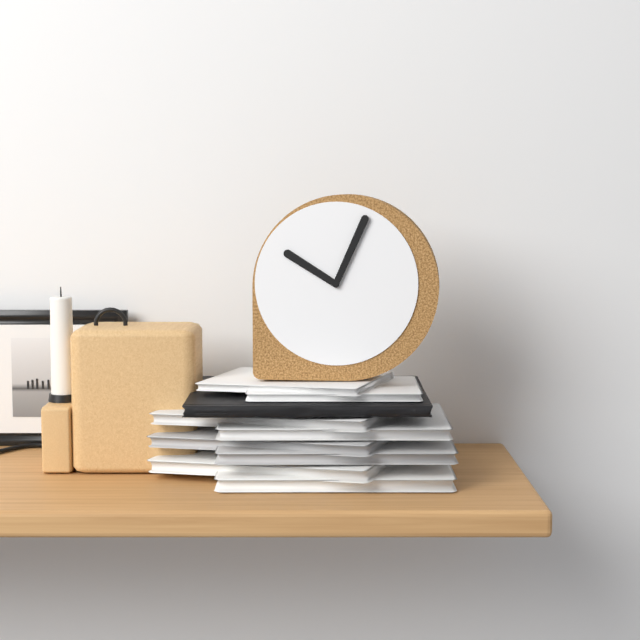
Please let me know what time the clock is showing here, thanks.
10:04
